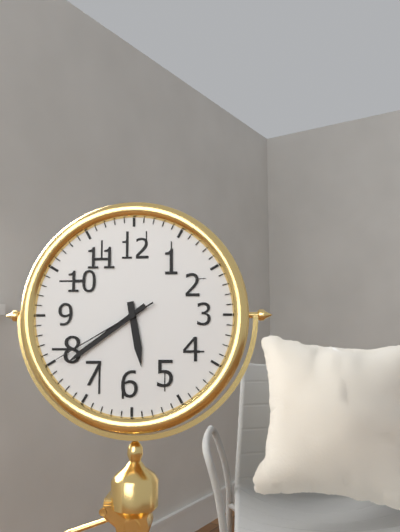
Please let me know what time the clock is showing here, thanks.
5:39:40
